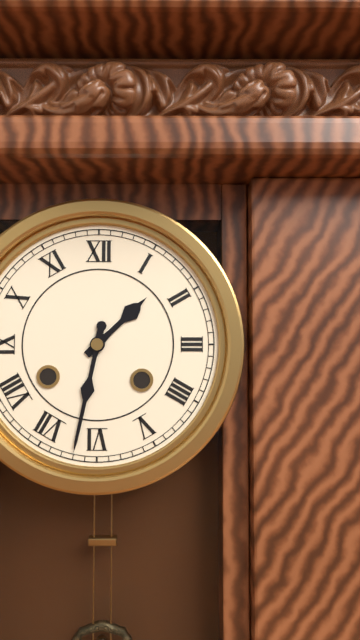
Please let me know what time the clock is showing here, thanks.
1:32
